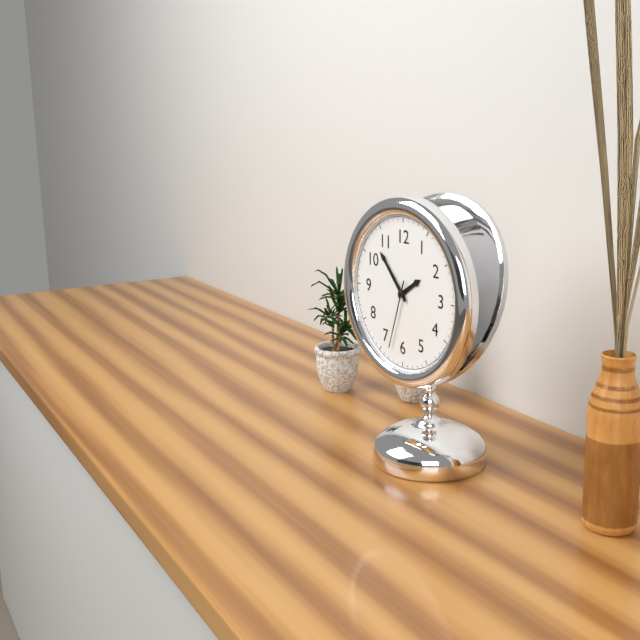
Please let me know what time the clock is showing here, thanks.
1:53:33
